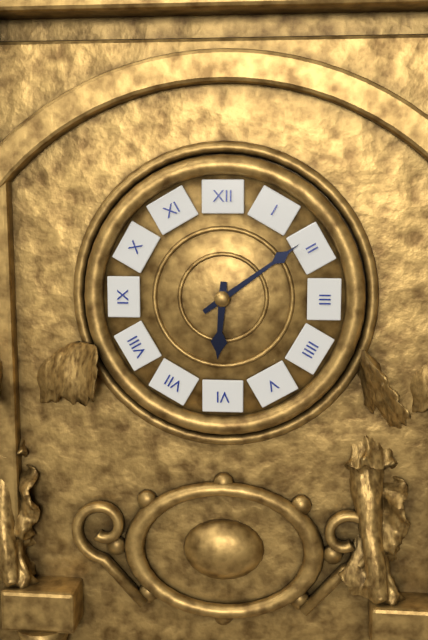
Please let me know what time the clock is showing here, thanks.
6:09
